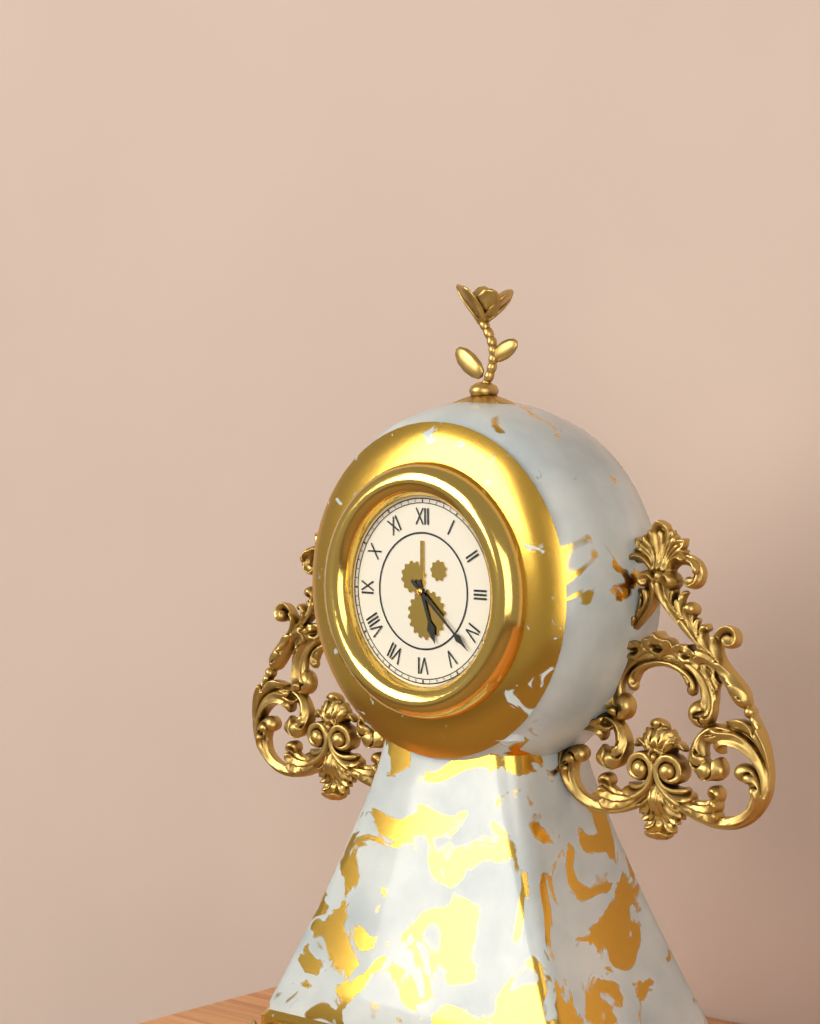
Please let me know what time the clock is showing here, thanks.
5:22
